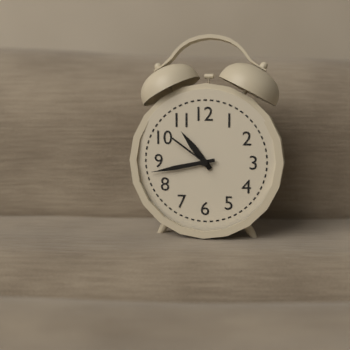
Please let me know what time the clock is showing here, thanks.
10:43:51
